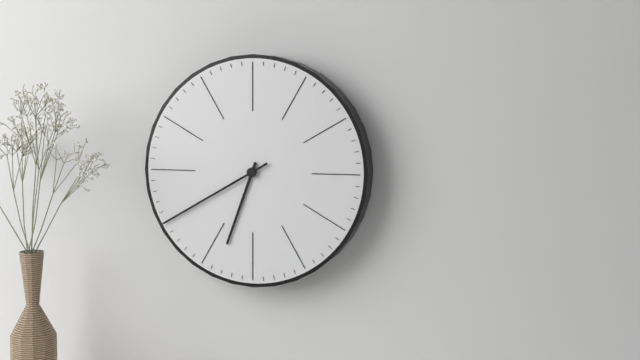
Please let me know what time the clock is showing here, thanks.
6:40
